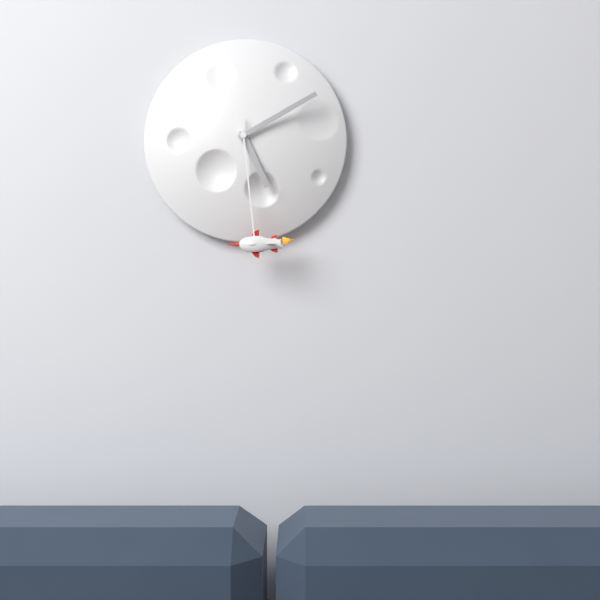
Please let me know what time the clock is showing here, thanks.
5:10:29
